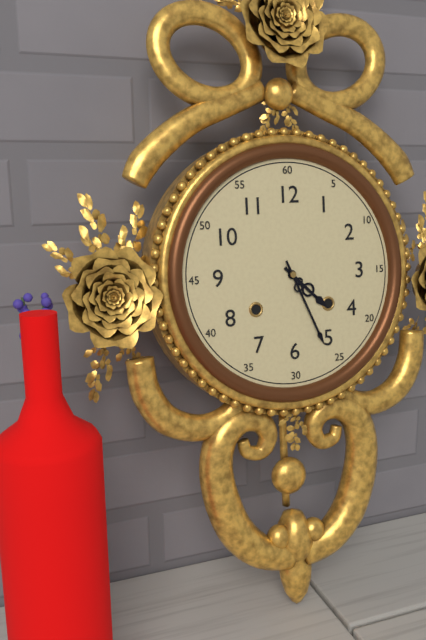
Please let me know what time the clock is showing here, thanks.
4:26
